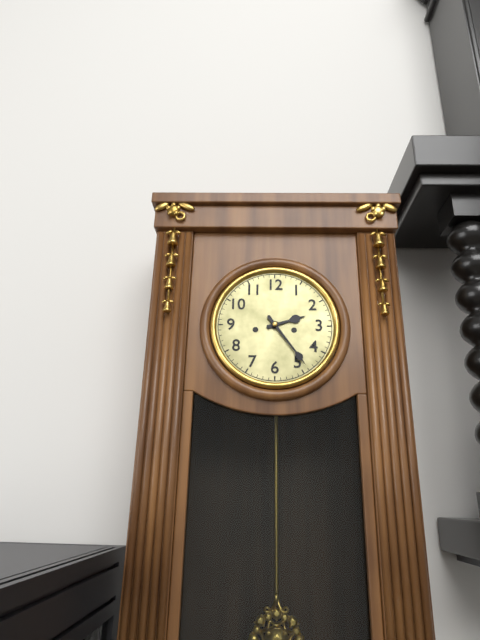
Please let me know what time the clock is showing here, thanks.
2:24
